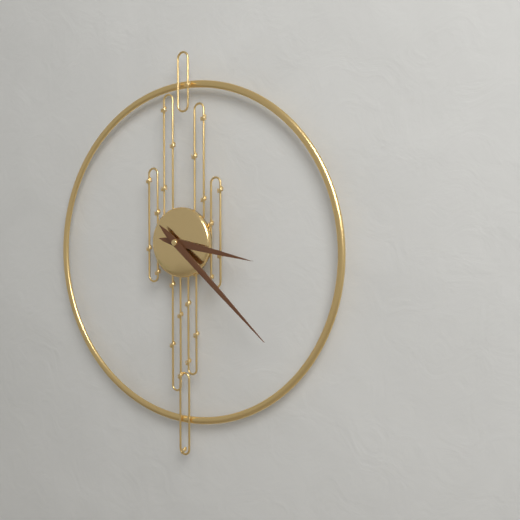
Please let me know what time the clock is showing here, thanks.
3:22
